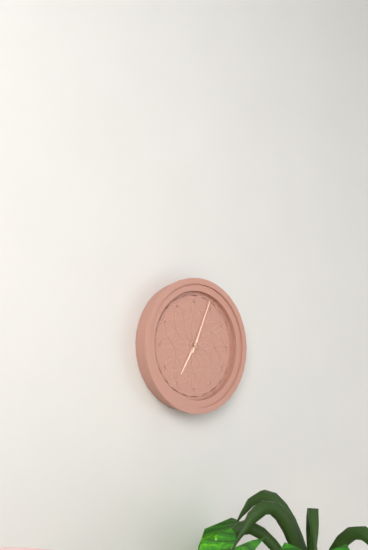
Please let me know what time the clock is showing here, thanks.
7:04
